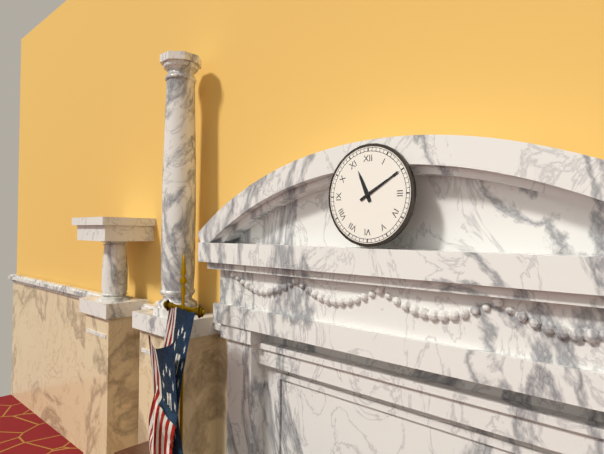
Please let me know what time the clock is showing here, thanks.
11:10
